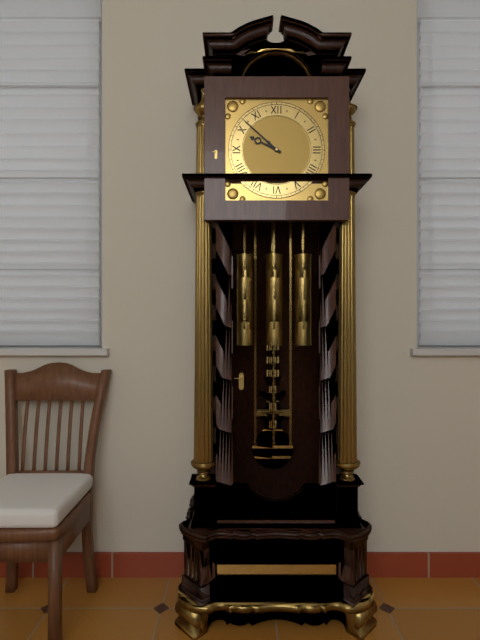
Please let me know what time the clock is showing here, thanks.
9:52
